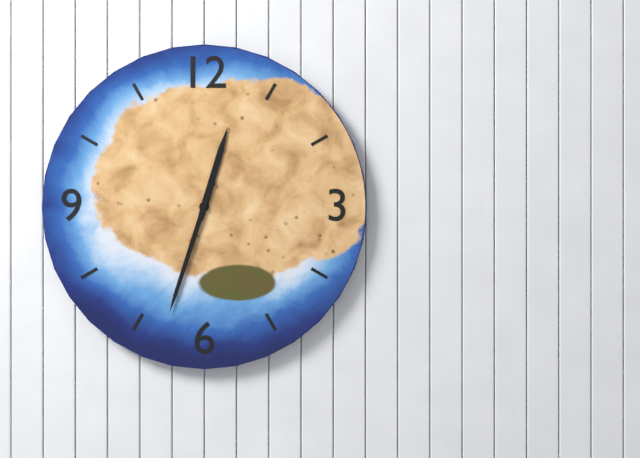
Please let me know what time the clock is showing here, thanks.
12:33
